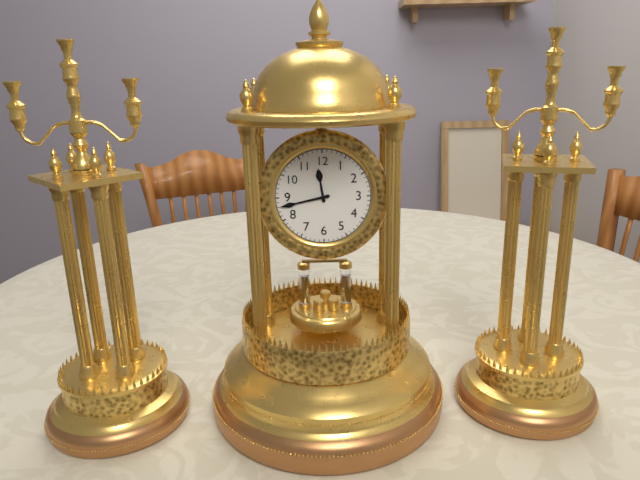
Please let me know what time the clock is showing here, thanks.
11:43
